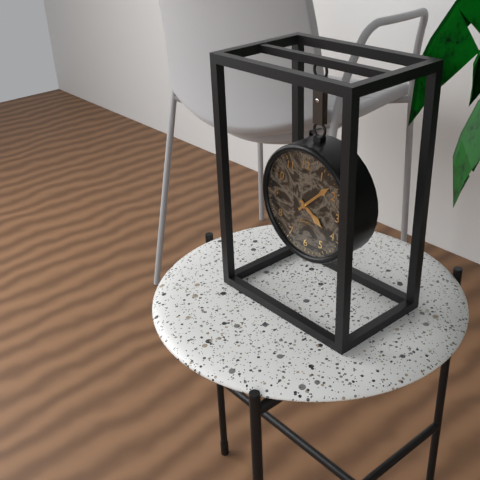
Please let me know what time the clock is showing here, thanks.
4:08
